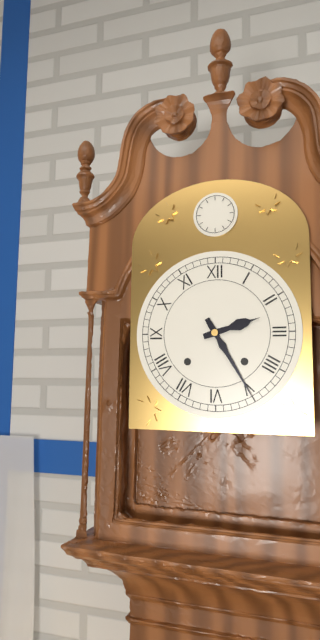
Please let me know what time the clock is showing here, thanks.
2:25
